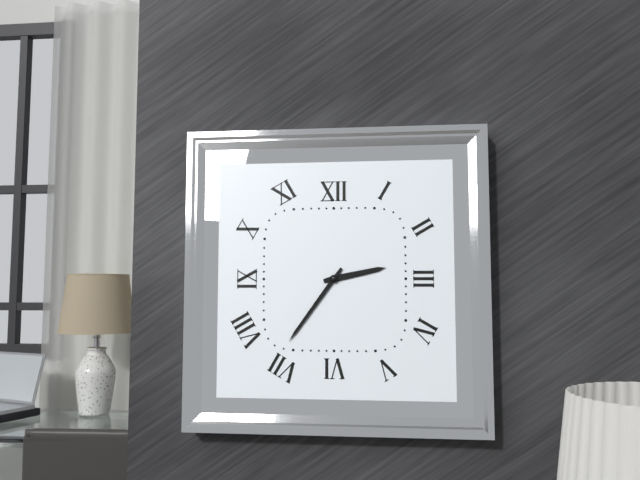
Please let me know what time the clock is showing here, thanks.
2:36
